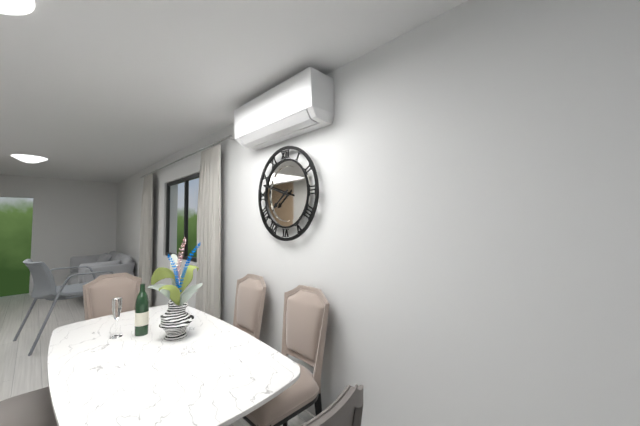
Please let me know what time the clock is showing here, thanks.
7:48
